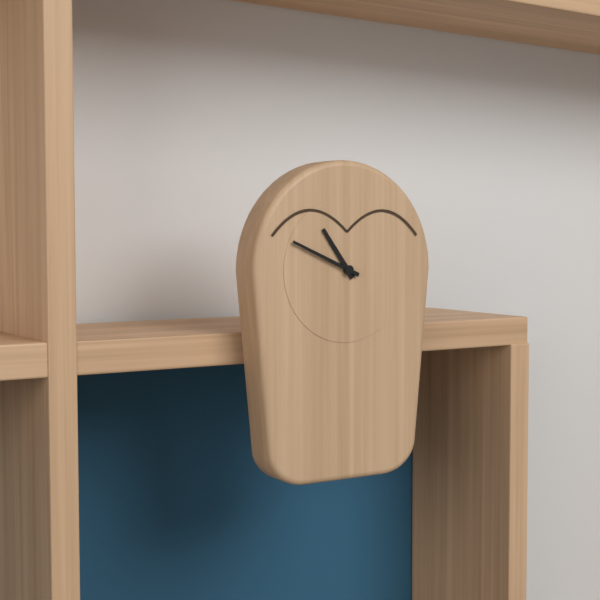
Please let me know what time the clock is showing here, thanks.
10:49
